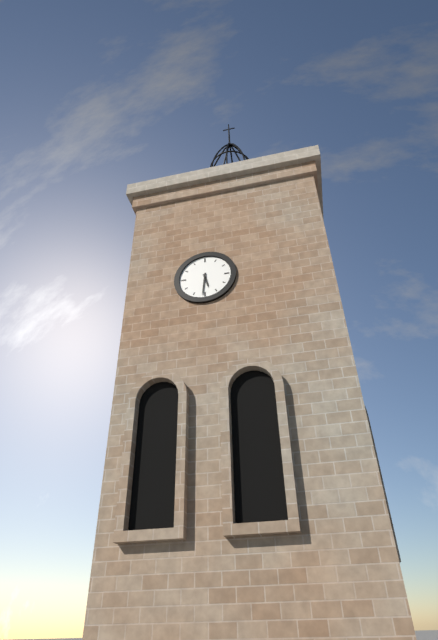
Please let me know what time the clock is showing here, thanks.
5:31
